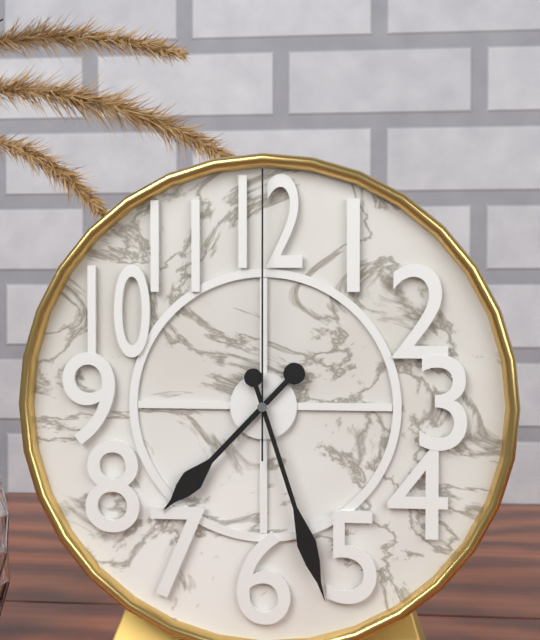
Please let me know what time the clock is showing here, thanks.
7:27:00
